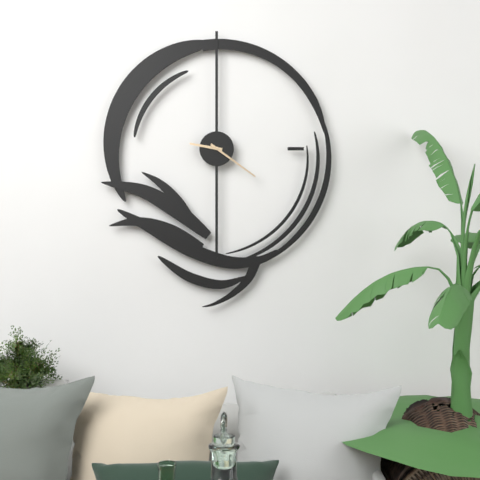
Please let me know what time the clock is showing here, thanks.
9:21
